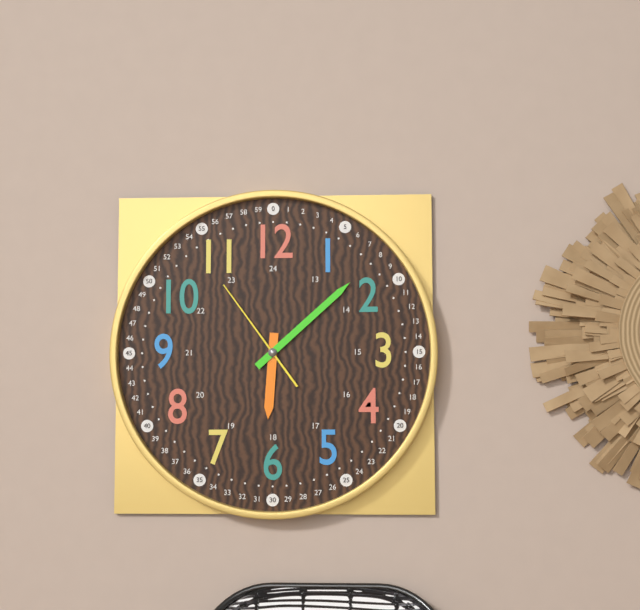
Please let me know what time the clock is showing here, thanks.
6:08:54
